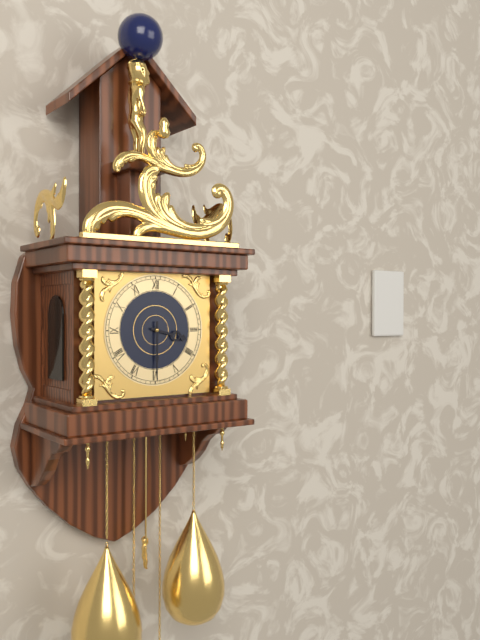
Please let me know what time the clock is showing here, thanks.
3:30
